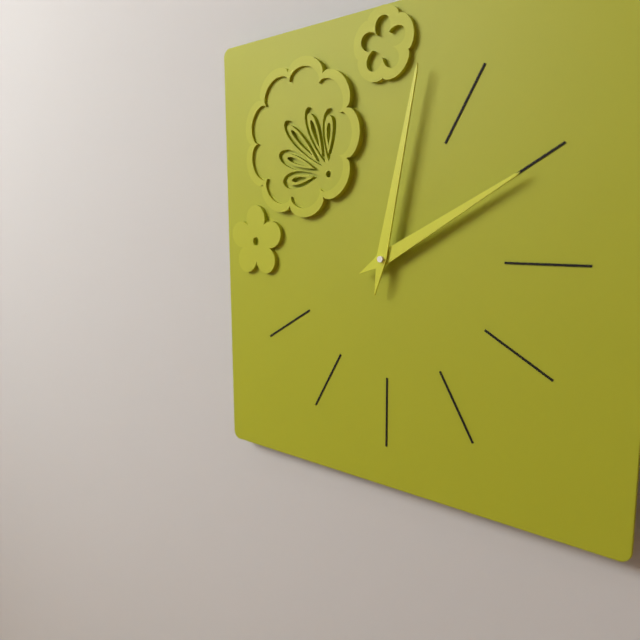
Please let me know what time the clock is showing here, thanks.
2:02
